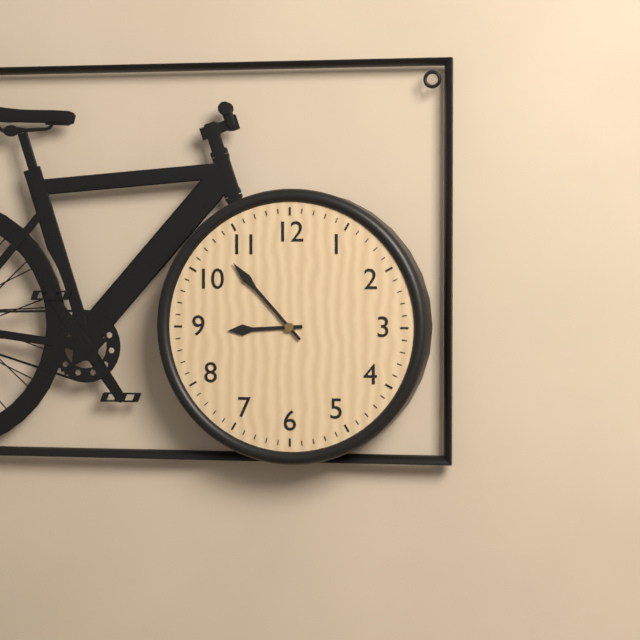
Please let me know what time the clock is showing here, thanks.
8:53
